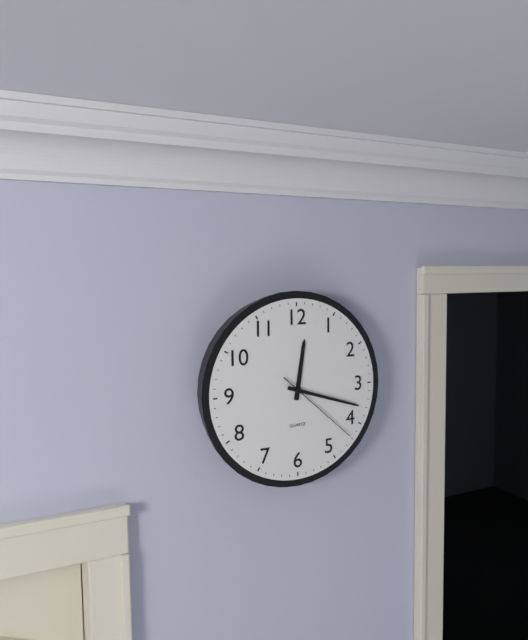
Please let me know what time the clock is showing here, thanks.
12:18:22
